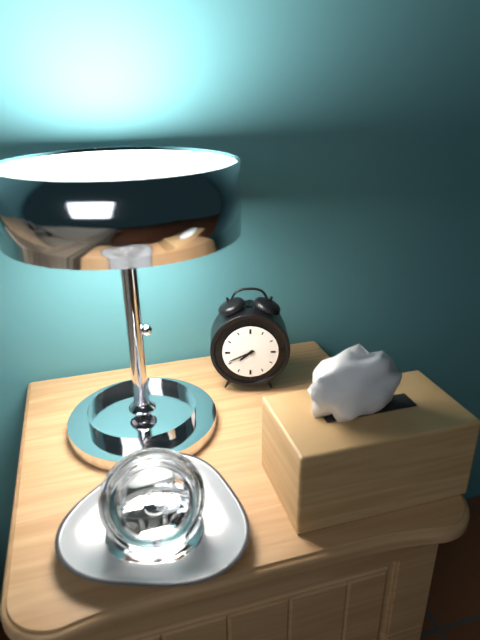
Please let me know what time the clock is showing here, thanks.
7:41
